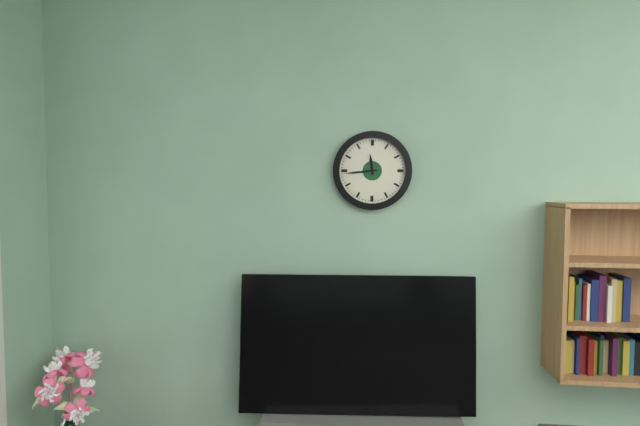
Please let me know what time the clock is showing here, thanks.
11:44
